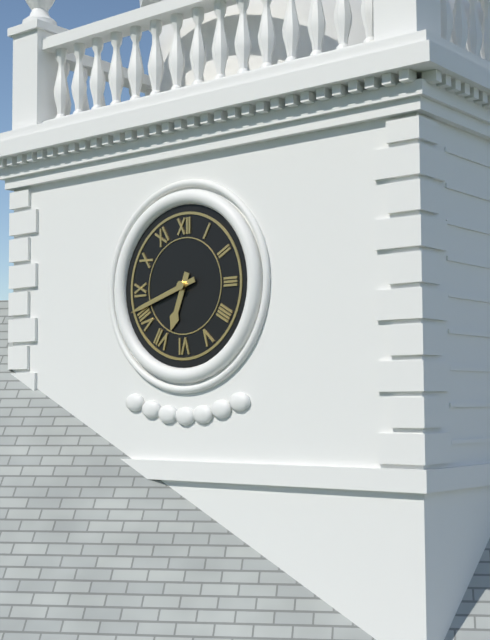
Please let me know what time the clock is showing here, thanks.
6:42
